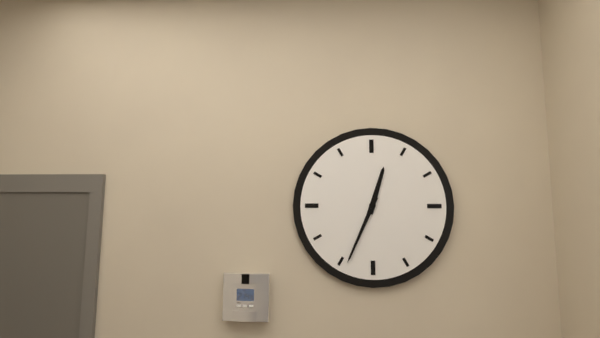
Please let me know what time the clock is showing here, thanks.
12:34
